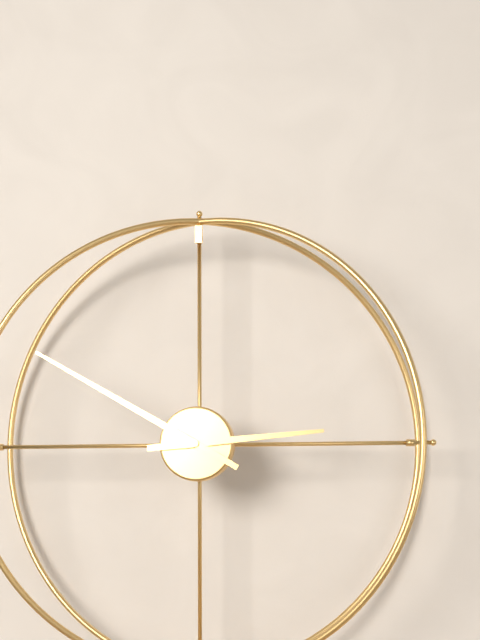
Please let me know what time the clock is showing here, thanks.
2:50
